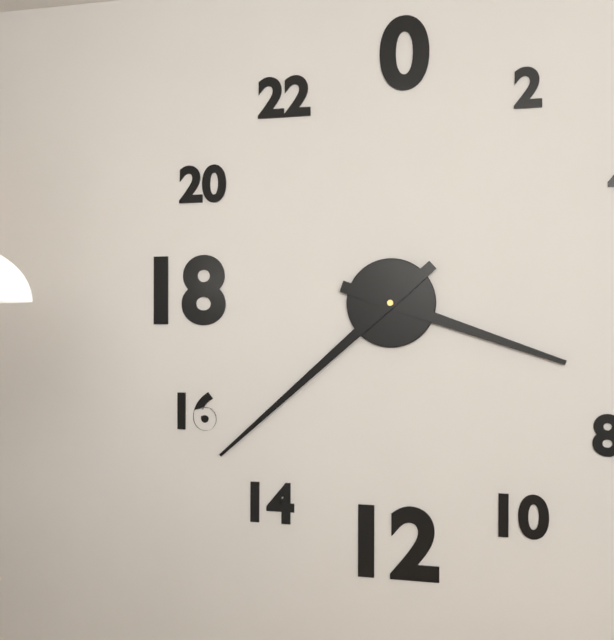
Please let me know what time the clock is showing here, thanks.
3:38
